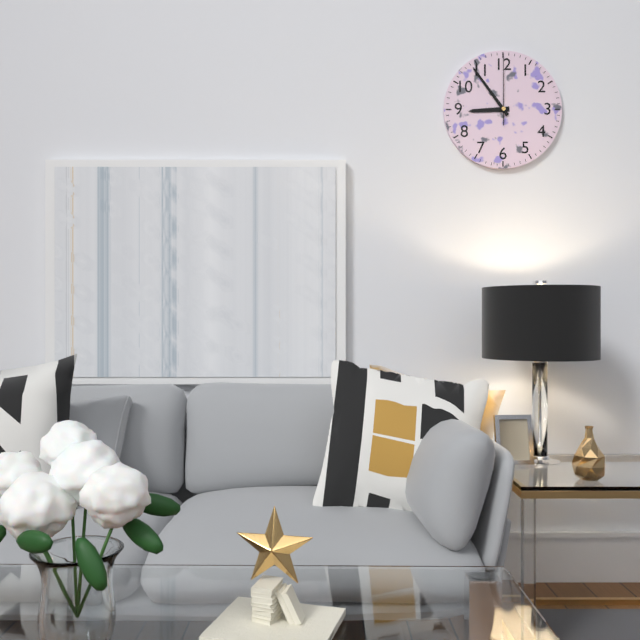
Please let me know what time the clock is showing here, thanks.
8:54:00
